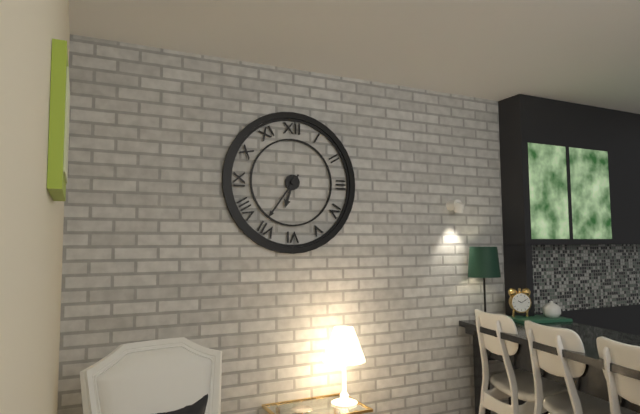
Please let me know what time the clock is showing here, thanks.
6:36
